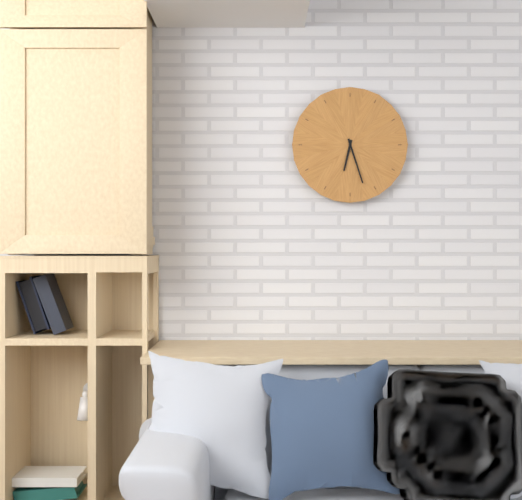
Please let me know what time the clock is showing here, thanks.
6:27
